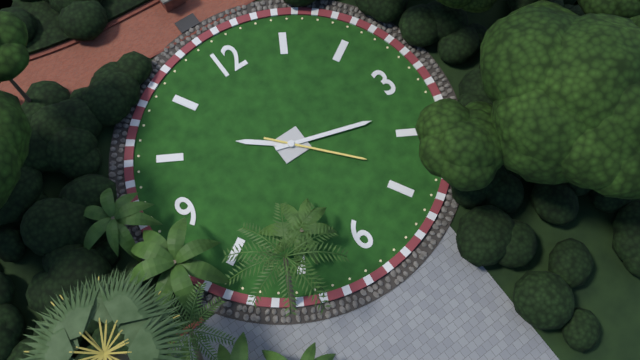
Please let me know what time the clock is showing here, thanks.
10:18:23
